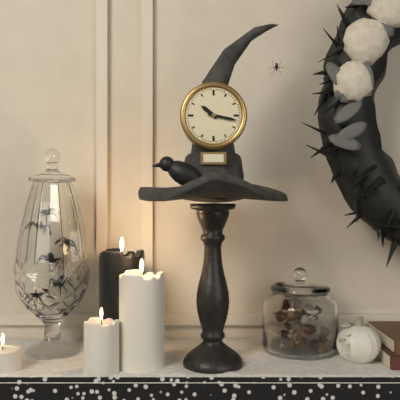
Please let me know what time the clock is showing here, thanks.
10:17
